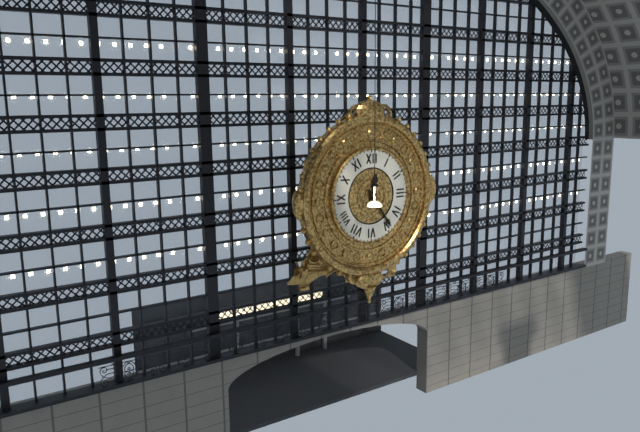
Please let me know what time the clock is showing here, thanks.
12:24
